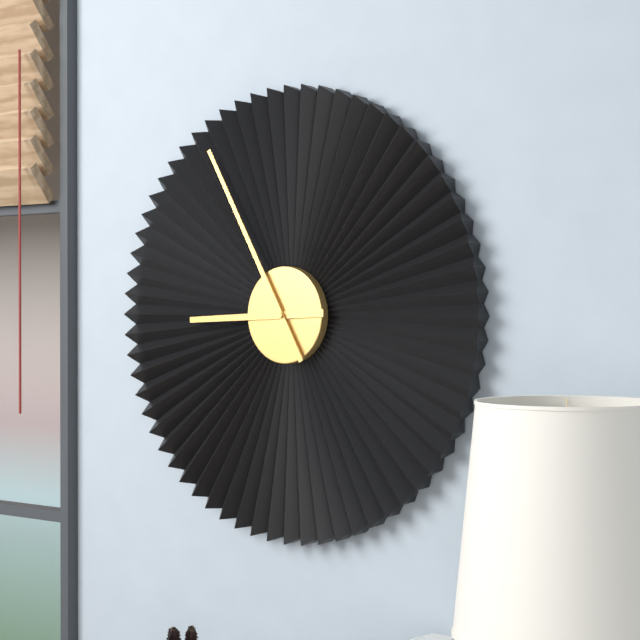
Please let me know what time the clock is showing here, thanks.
8:55
